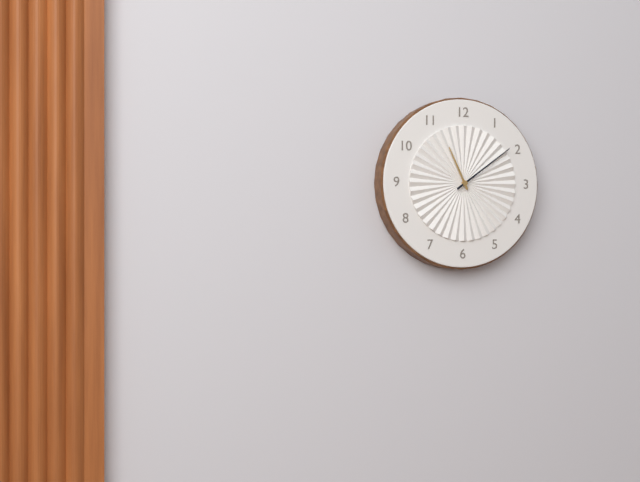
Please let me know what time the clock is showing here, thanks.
11:09
